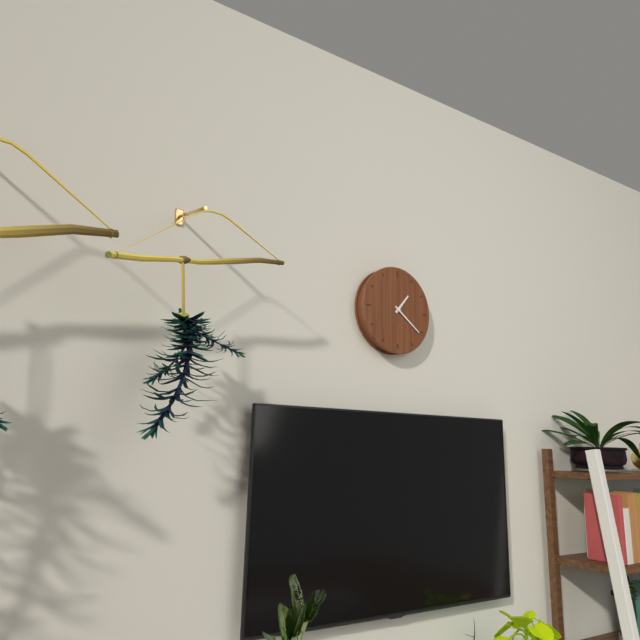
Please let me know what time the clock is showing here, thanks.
1:21
